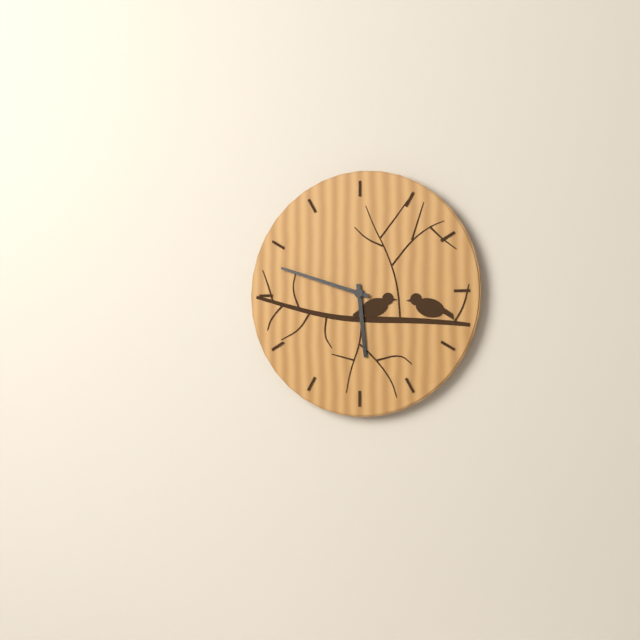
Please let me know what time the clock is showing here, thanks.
5:48
